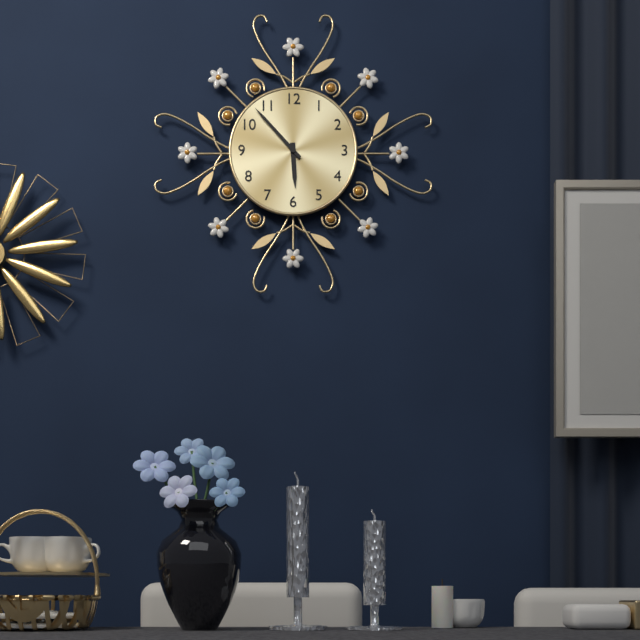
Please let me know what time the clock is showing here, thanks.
5:53
